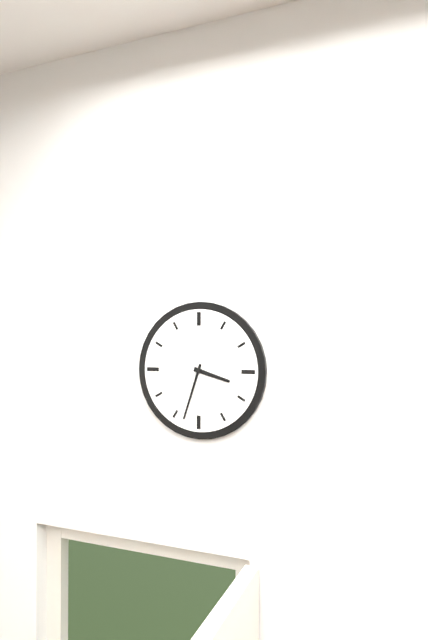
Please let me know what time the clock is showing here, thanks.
3:33
